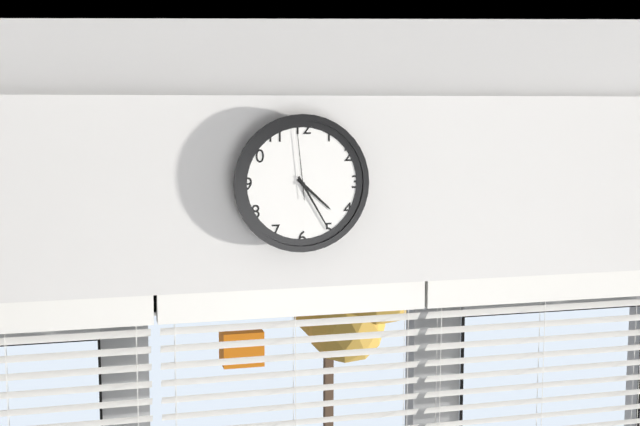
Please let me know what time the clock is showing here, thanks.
4:25:59
